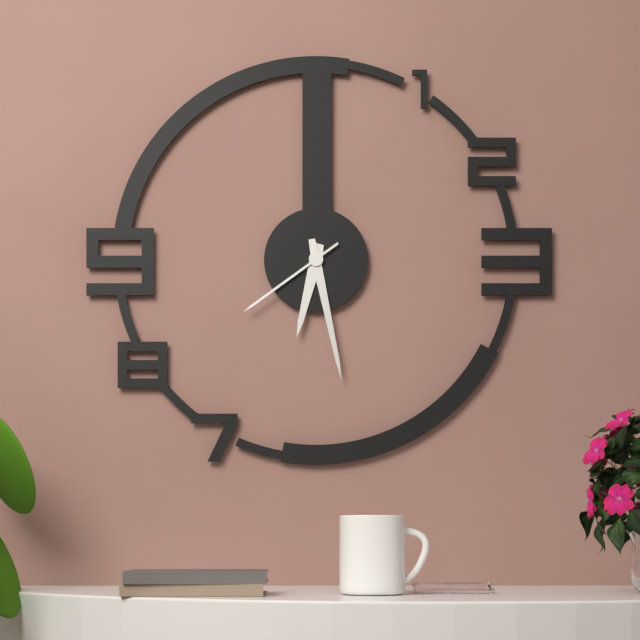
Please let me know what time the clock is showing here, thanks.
6:28:39
